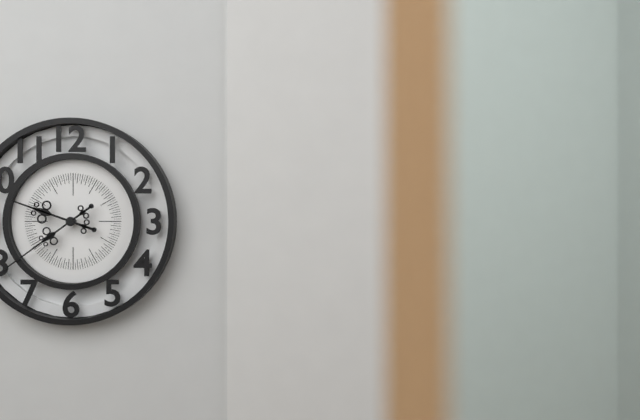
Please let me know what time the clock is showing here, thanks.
9:39
